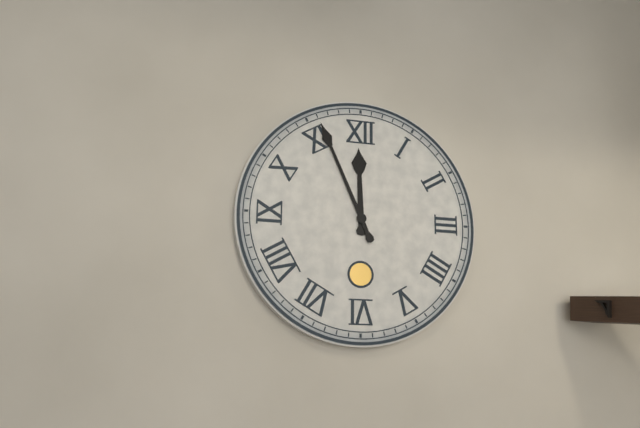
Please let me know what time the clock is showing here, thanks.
11:56
